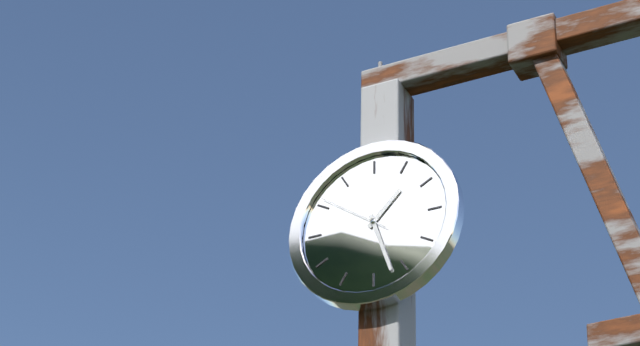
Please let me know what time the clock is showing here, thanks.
1:27:51
